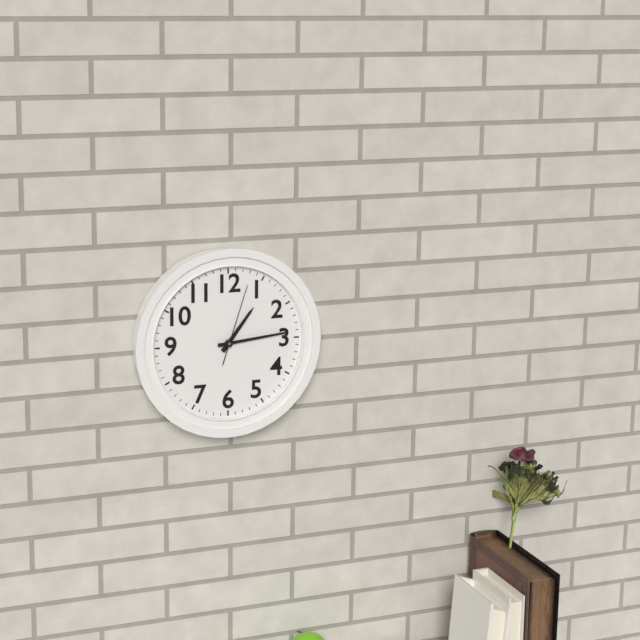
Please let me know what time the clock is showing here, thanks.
1:14:03
